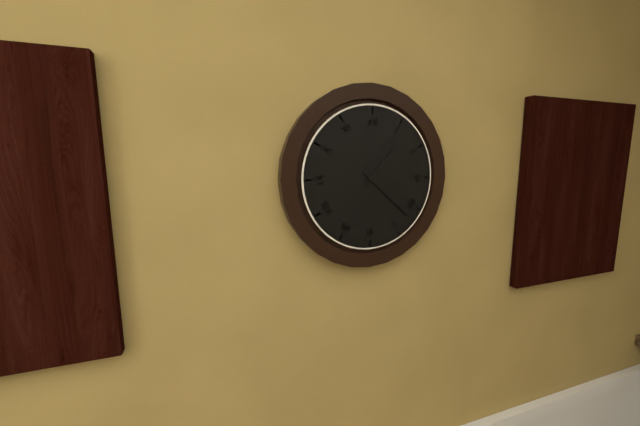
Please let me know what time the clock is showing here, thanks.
1:22
